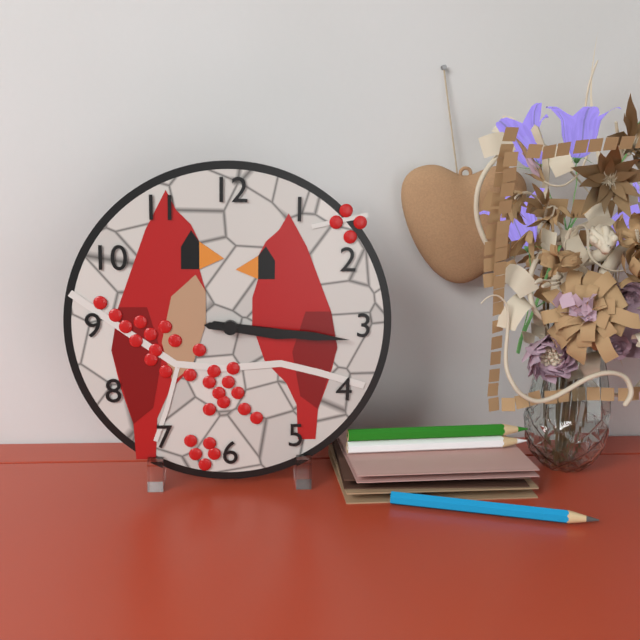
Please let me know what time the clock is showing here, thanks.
3:16
